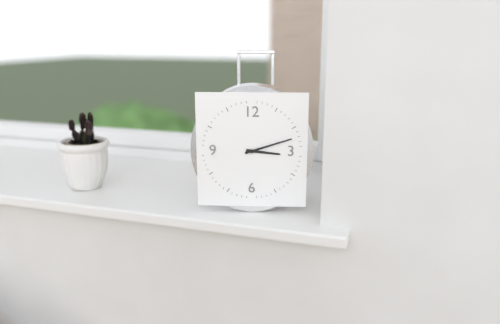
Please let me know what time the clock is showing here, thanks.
3:12
